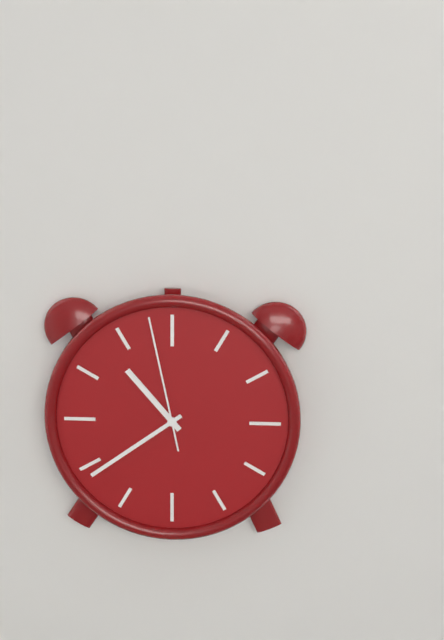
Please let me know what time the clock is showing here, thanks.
10:39:58
